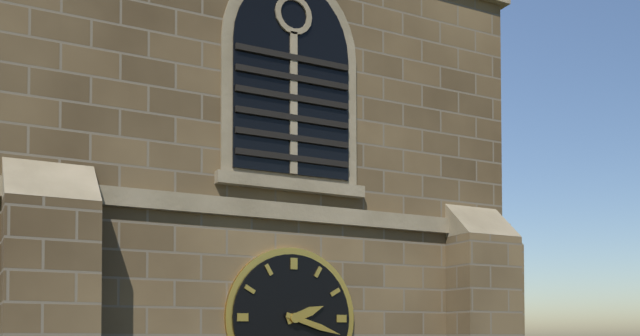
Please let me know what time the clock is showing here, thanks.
2:18
